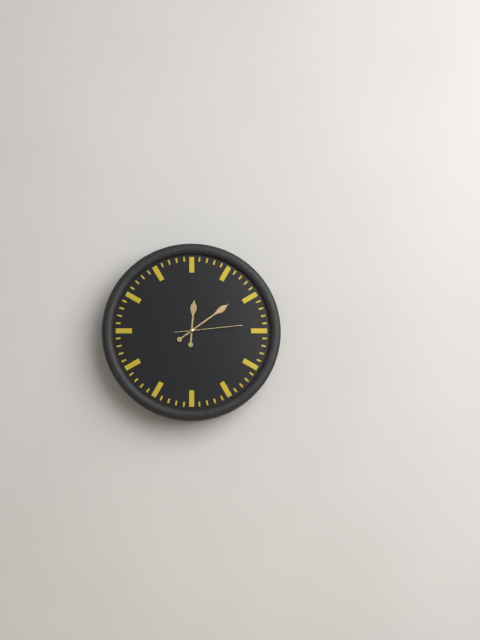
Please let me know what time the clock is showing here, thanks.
12:09:14
